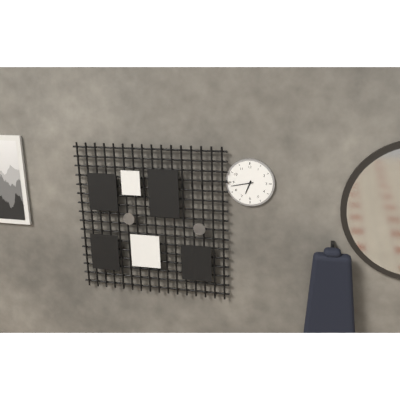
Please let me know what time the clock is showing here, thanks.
6:43
